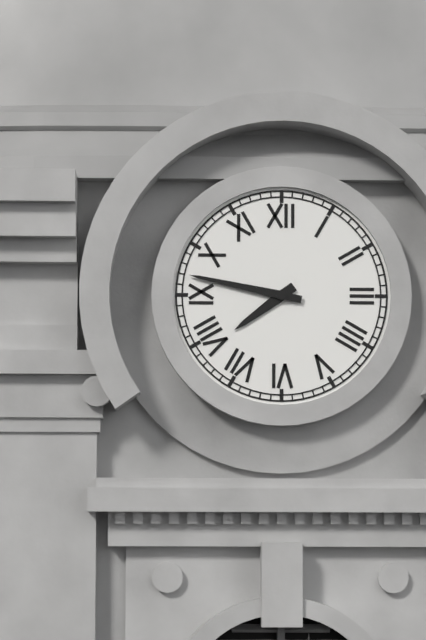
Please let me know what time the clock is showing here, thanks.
7:47
